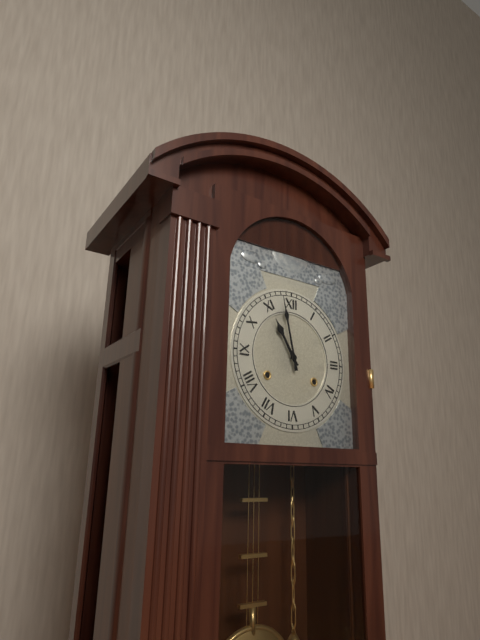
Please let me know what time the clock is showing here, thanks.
10:58
